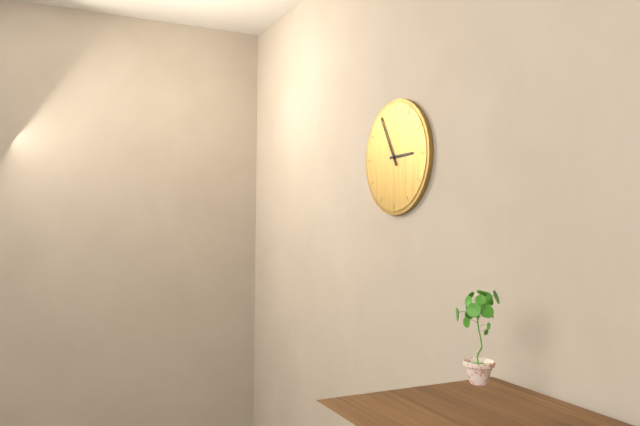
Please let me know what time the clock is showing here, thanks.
2:55
